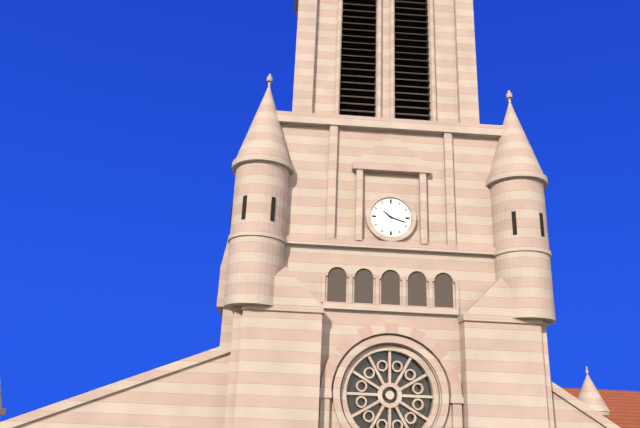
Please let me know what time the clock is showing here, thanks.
10:18
